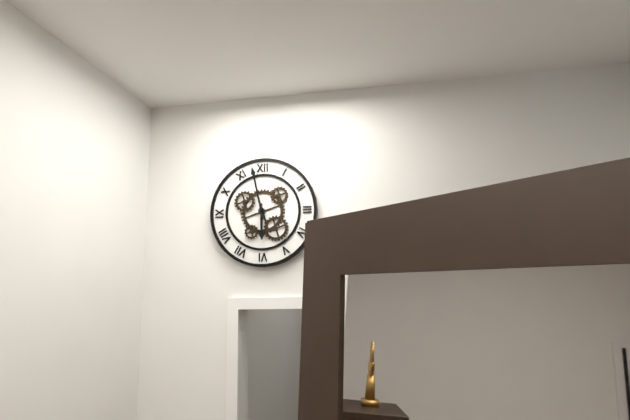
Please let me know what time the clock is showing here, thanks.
5:58
